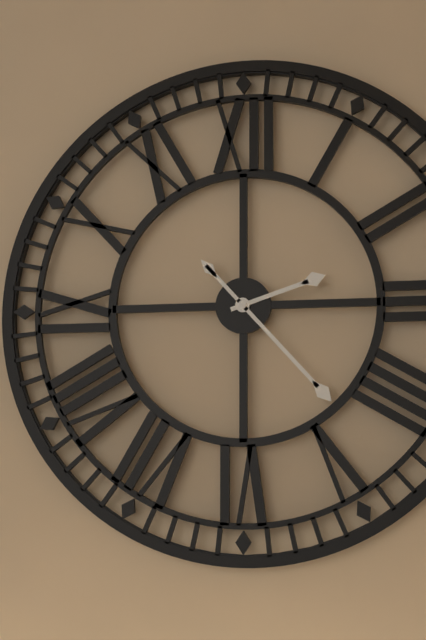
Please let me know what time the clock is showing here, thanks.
2:23
